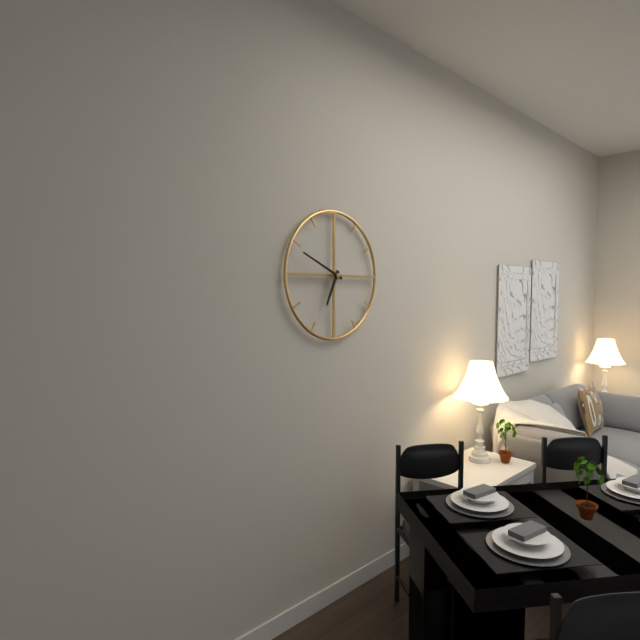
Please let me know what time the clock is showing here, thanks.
6:49
